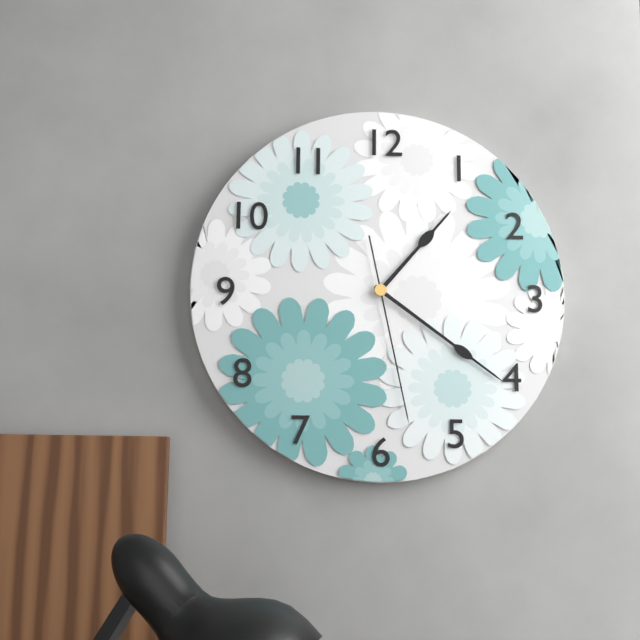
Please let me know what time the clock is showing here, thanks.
1:21:28
